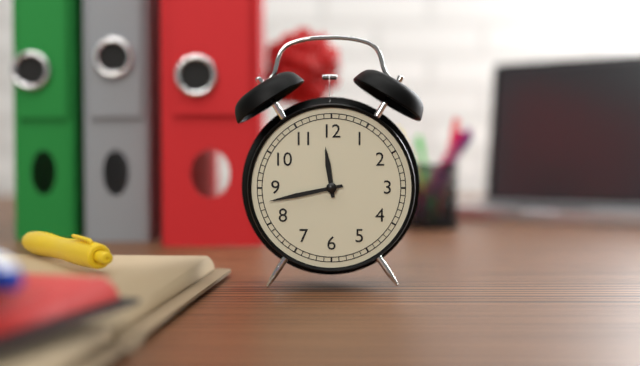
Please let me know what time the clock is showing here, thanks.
11:43
